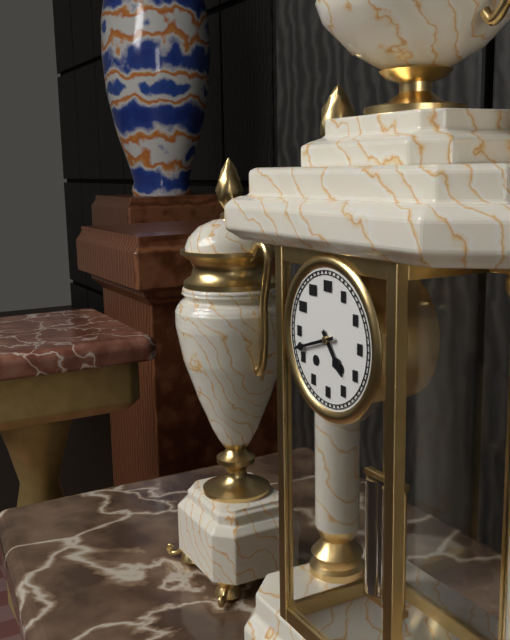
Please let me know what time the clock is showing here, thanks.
4:42
